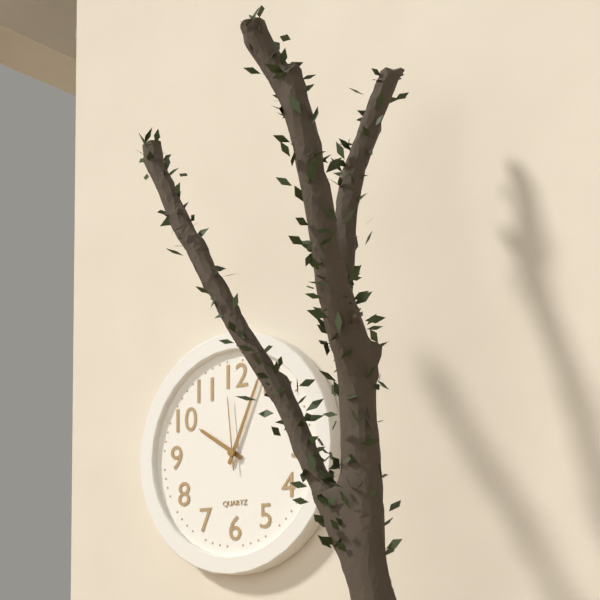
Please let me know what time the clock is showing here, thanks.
10:04:59
